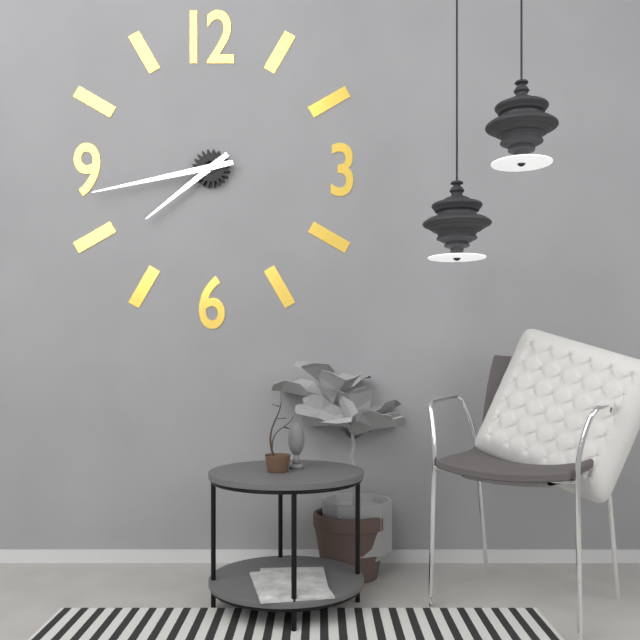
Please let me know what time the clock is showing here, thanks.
7:43
